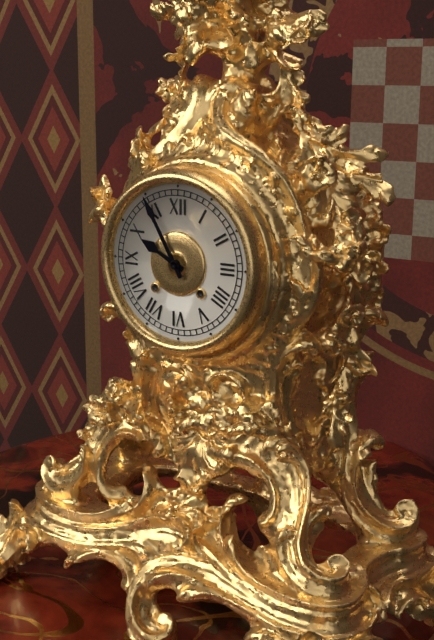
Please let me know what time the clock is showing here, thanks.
9:55
